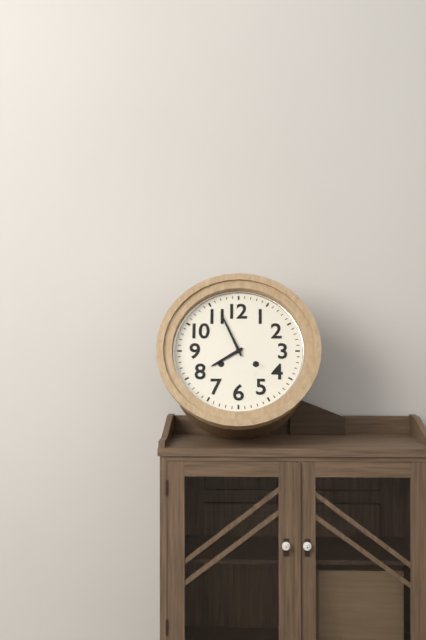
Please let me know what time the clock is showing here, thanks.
7:56
